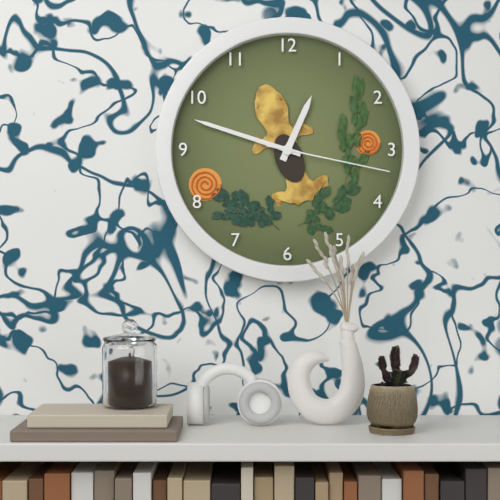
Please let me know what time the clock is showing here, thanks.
12:48:17
